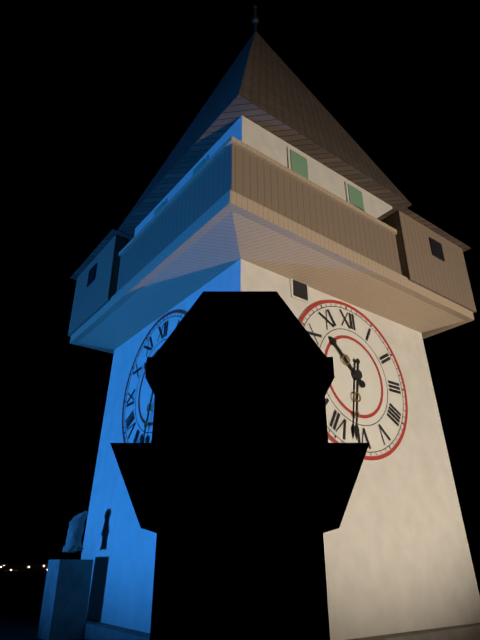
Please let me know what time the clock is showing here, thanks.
10:32
